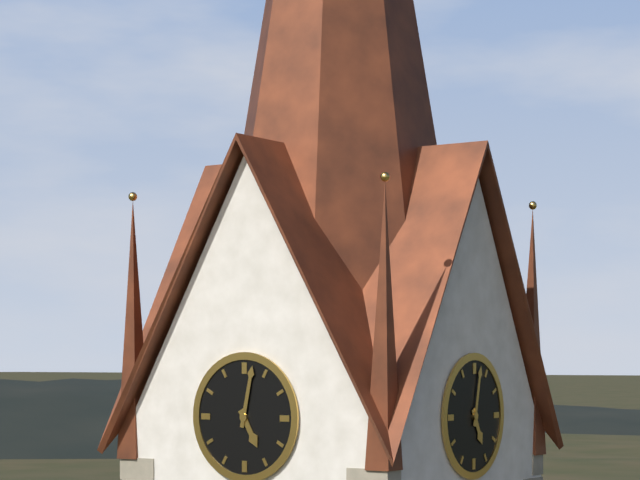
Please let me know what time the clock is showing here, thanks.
5:02
